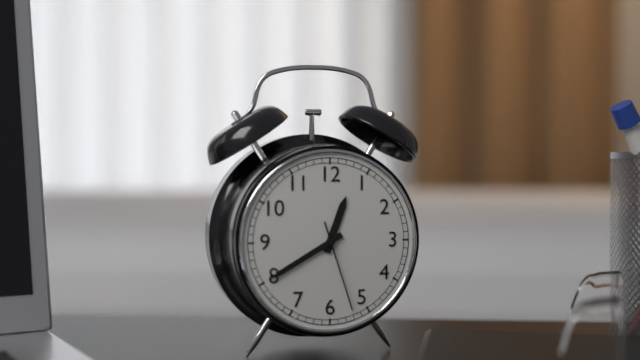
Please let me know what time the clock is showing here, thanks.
12:40:27
